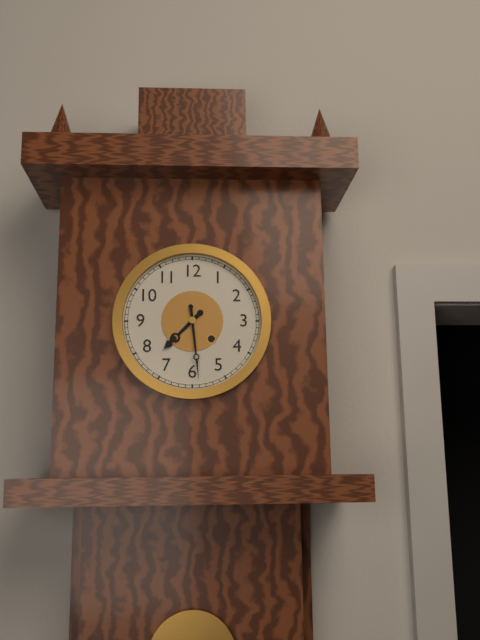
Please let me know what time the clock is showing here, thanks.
7:29
